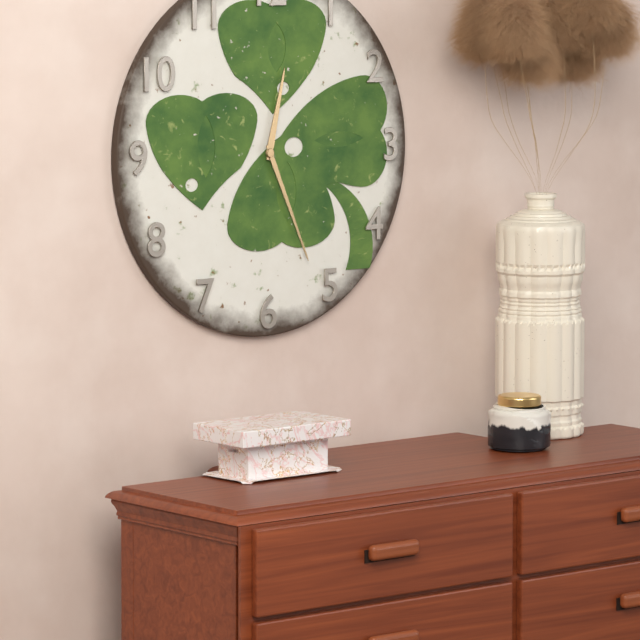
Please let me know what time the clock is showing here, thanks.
12:26
